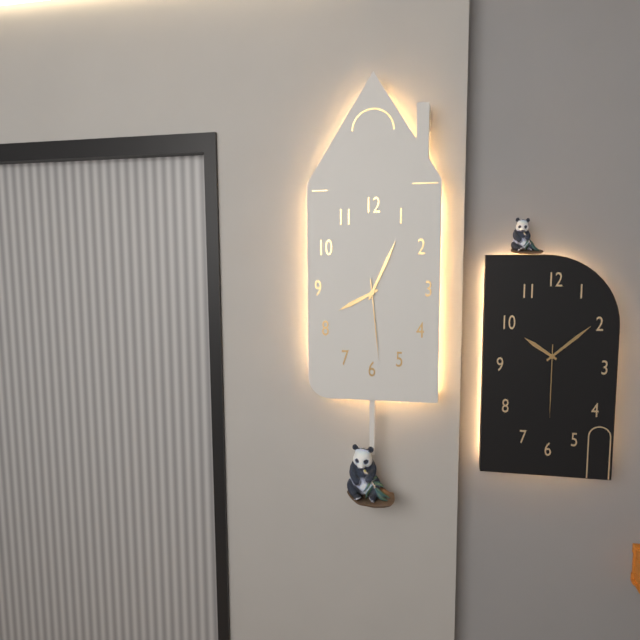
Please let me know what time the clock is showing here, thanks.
8:04:29
